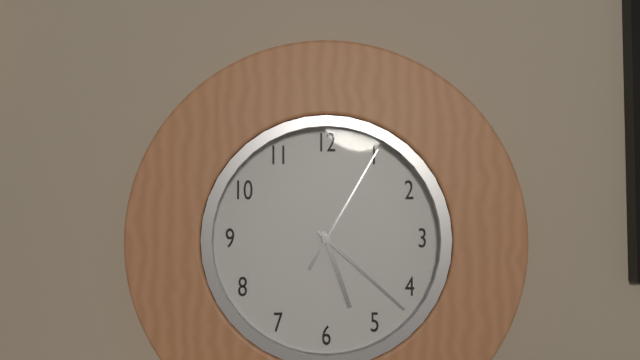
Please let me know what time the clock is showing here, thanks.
5:22:05
